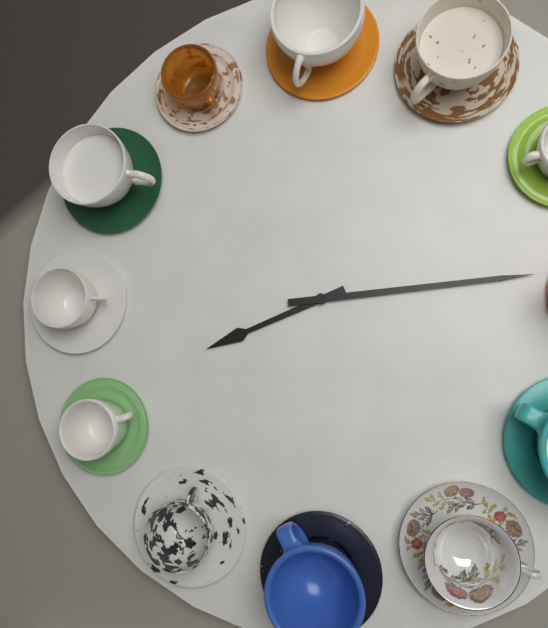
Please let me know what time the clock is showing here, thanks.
8:14
